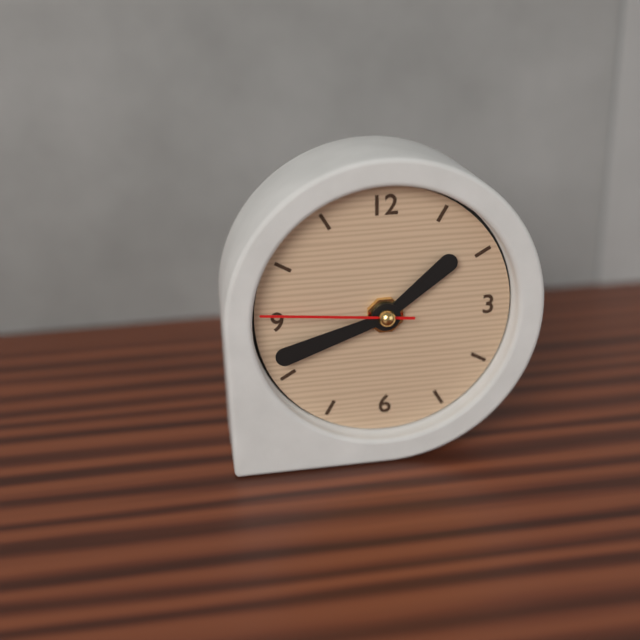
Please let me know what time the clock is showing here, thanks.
1:42:46
